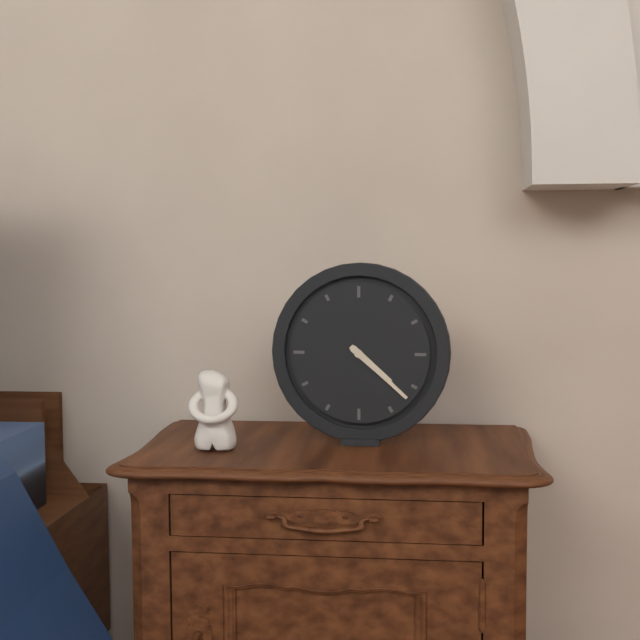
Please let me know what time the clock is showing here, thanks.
4:22
